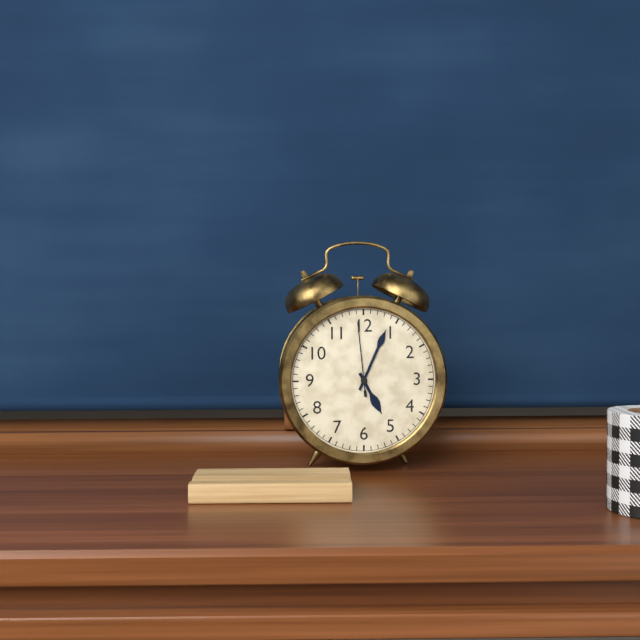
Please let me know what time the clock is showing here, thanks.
5:04:59
